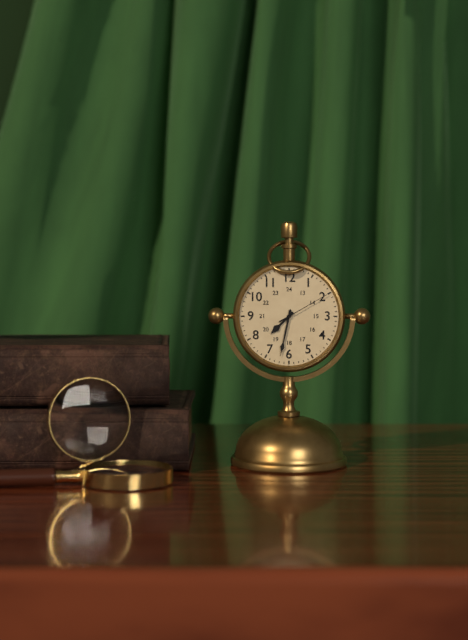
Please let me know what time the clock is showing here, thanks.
7:32:10
